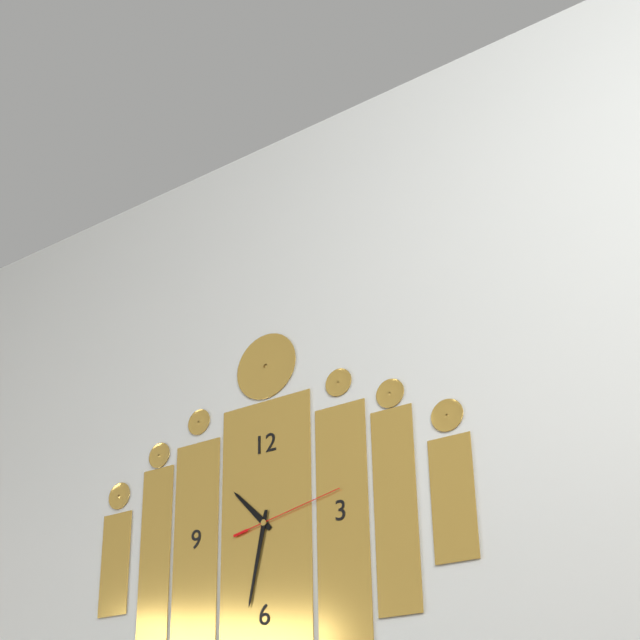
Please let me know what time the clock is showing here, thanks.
10:32:13
